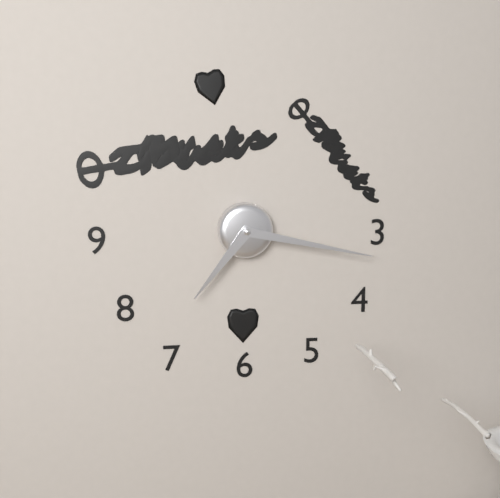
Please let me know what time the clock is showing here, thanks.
7:17
